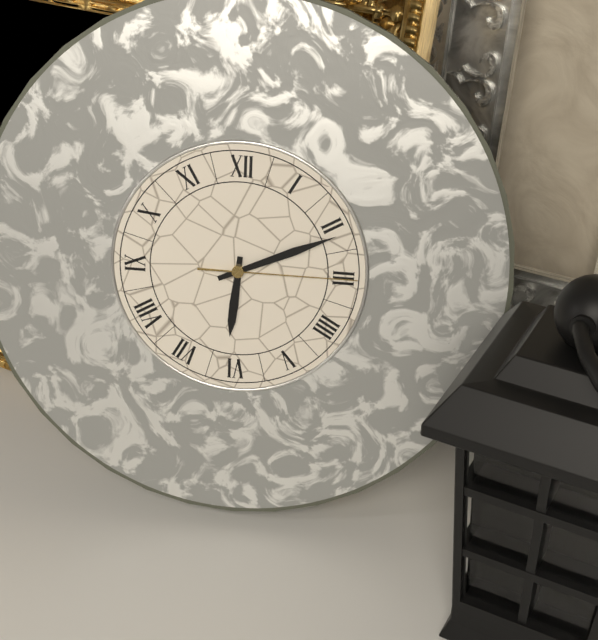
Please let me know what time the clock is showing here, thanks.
6:11:15
